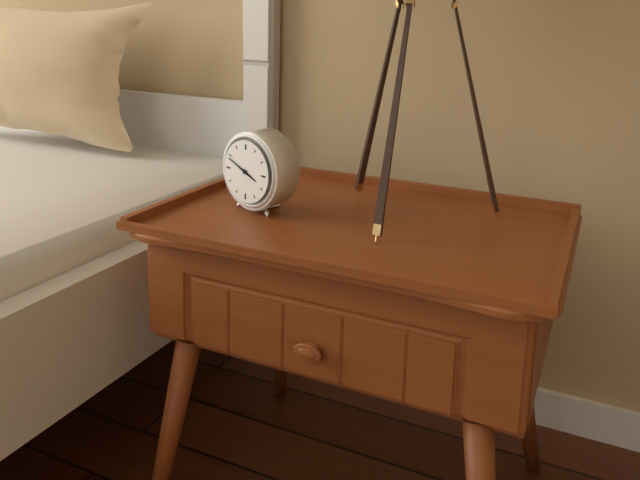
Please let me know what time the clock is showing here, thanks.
3:49
